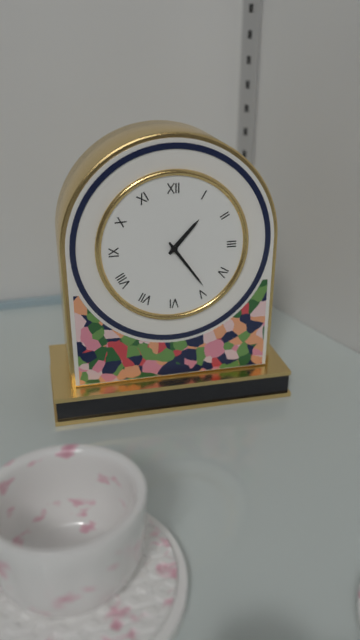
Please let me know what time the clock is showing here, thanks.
1:24
